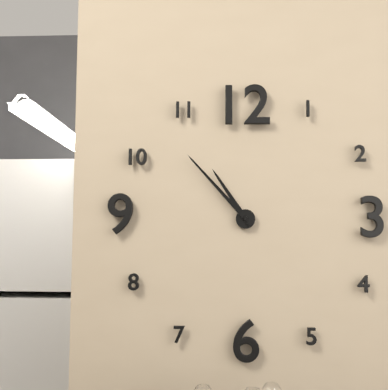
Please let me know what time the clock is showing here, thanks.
10:53
